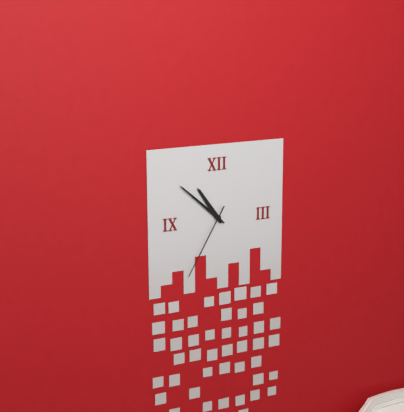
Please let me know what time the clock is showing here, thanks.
10:52:35
